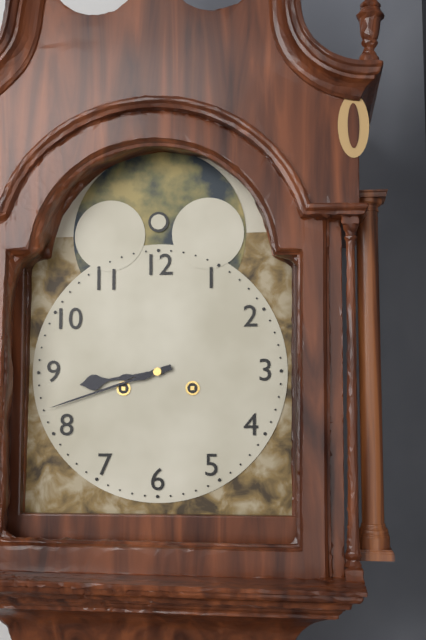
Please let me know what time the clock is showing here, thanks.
8:42
